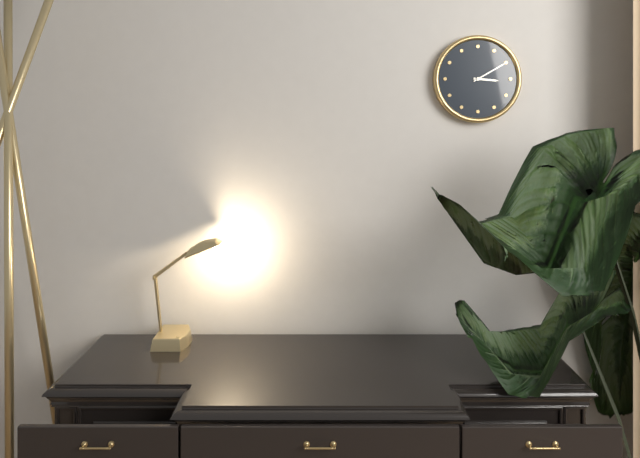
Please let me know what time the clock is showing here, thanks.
3:10
